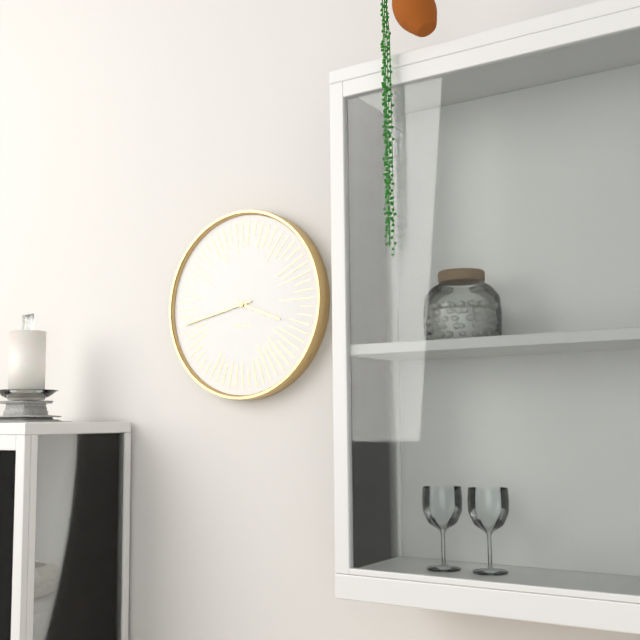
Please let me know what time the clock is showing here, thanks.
3:43
